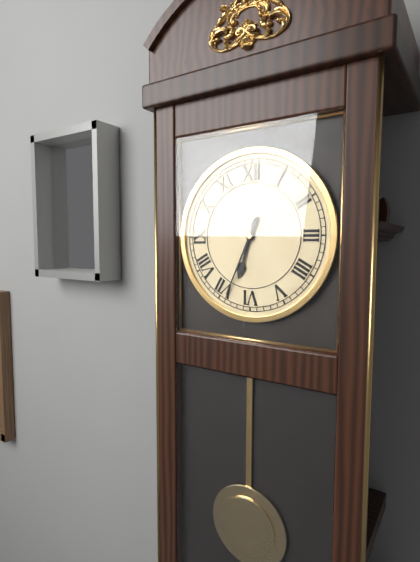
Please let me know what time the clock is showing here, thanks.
6:34
